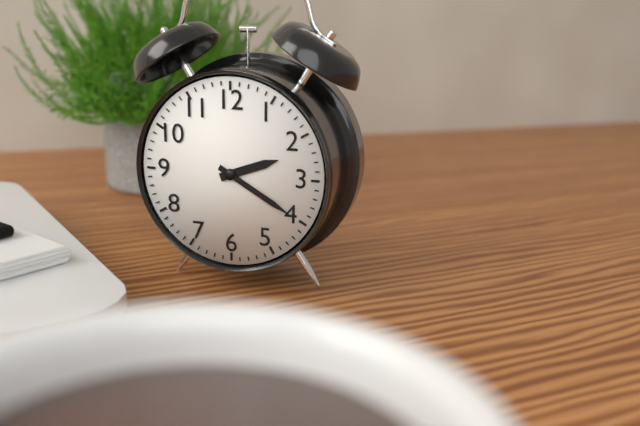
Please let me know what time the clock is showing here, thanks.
2:20
